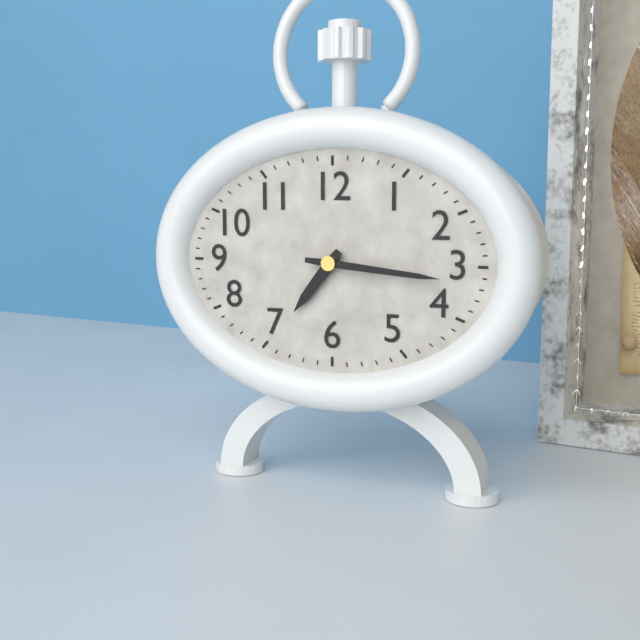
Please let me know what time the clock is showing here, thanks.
7:16
